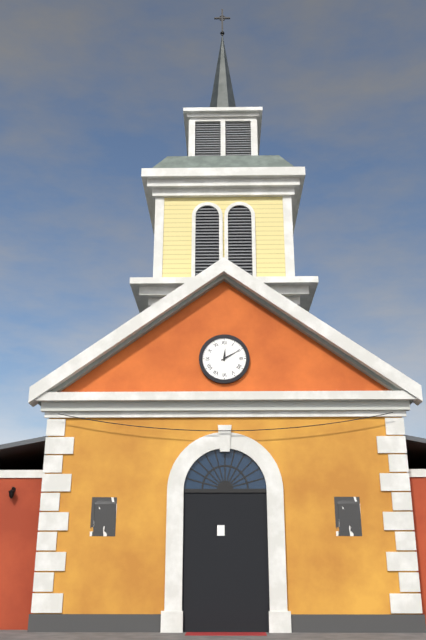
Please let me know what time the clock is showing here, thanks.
12:10
